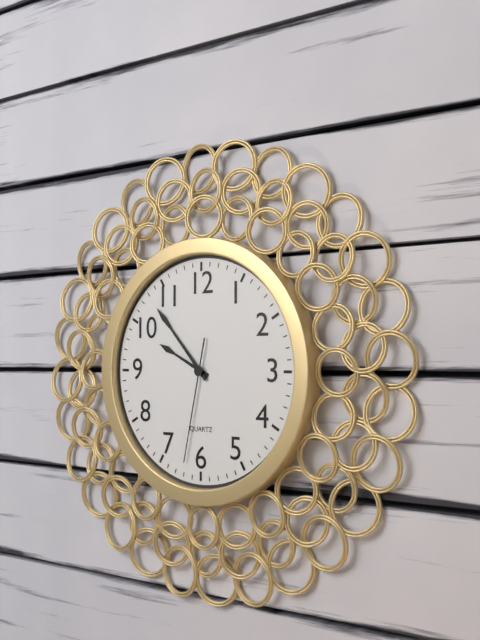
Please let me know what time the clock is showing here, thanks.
9:53:32
